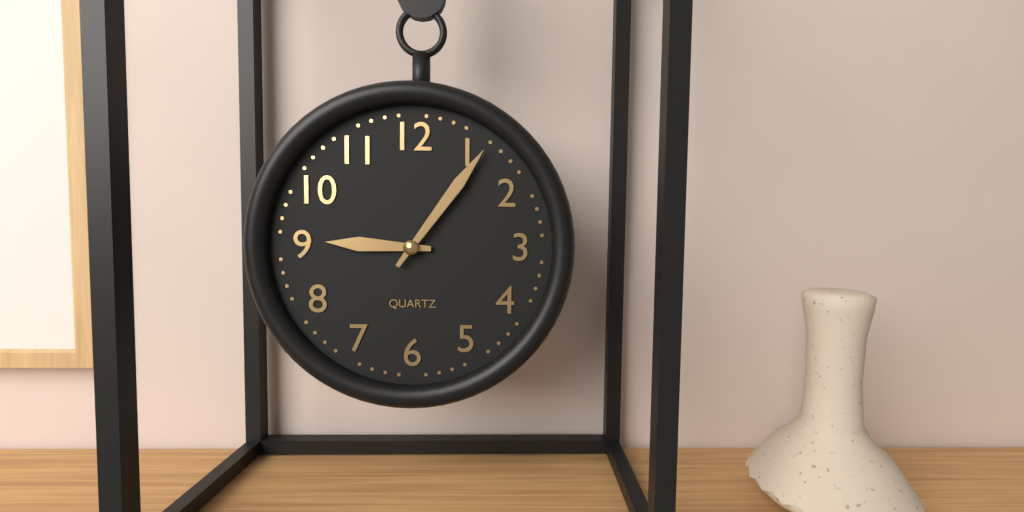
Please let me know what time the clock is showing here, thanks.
9:06
